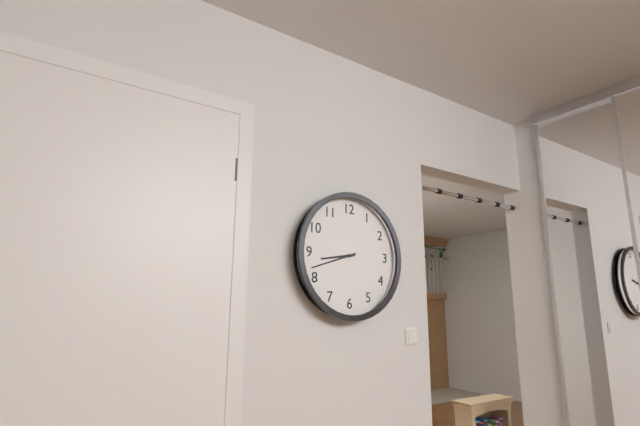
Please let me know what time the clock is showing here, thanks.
8:42
